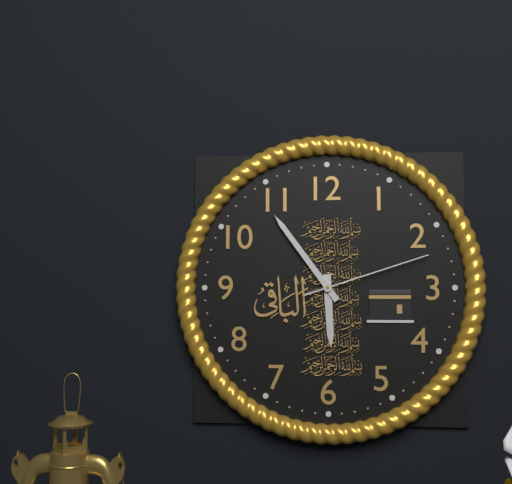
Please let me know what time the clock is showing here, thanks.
5:54:12
